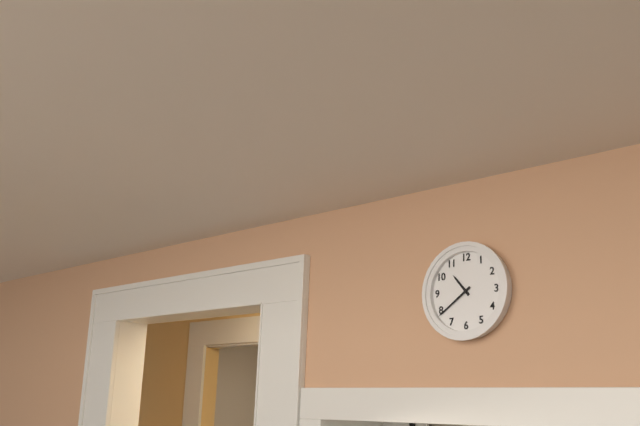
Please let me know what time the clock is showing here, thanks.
10:39
